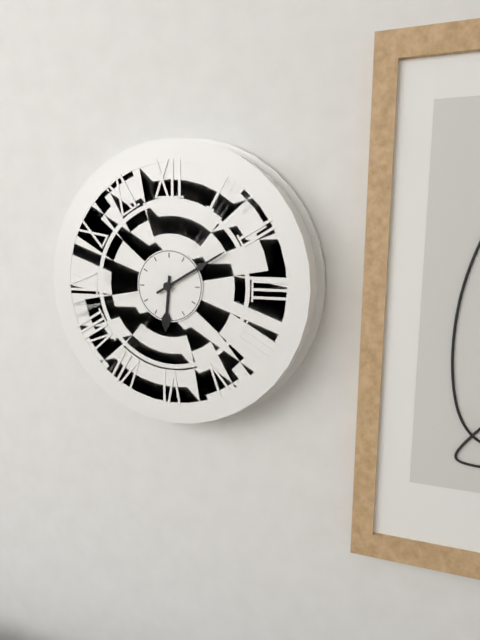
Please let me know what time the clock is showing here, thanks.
6:10
